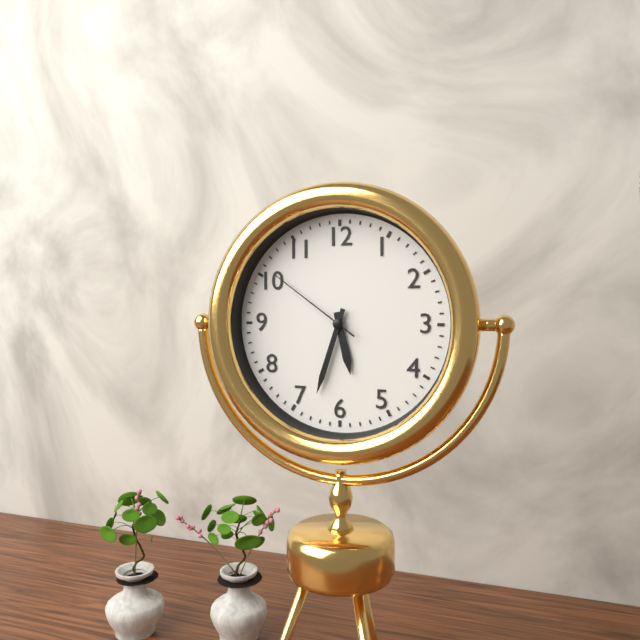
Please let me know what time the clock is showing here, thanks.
5:33:51
